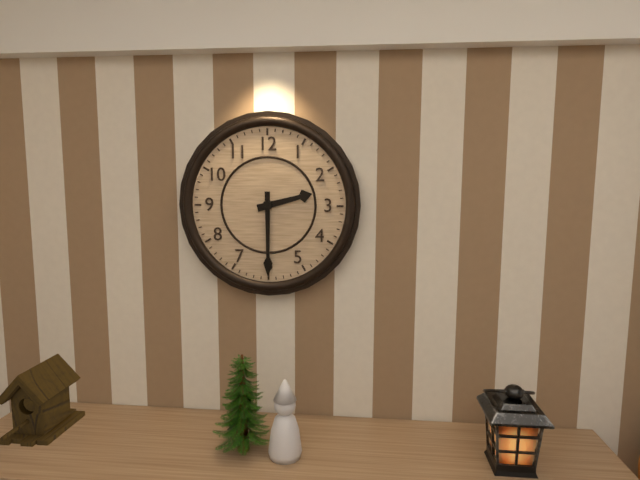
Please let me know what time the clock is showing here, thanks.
2:30
